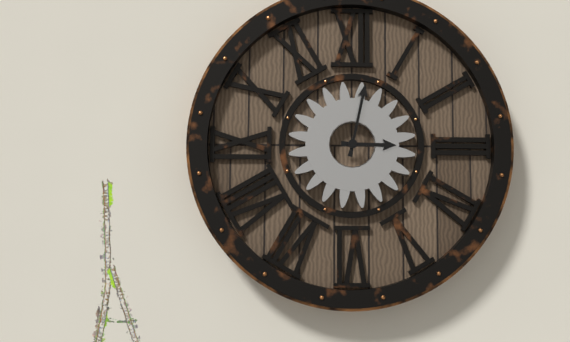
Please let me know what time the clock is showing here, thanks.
3:02
